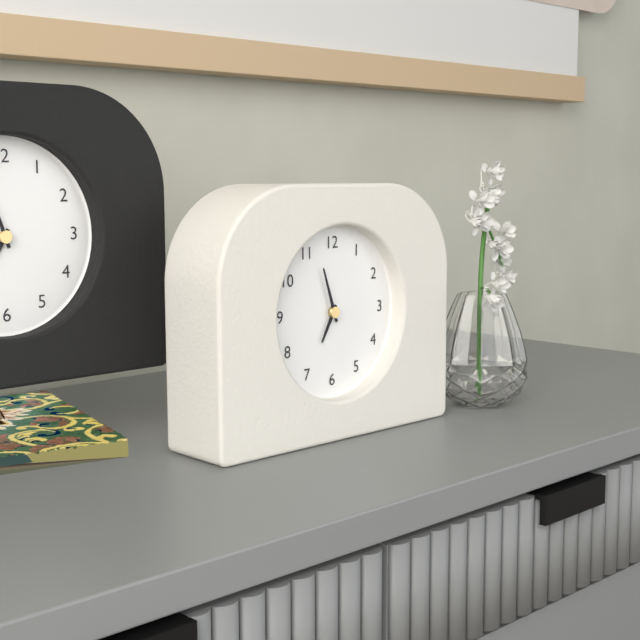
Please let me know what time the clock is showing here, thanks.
6:57
